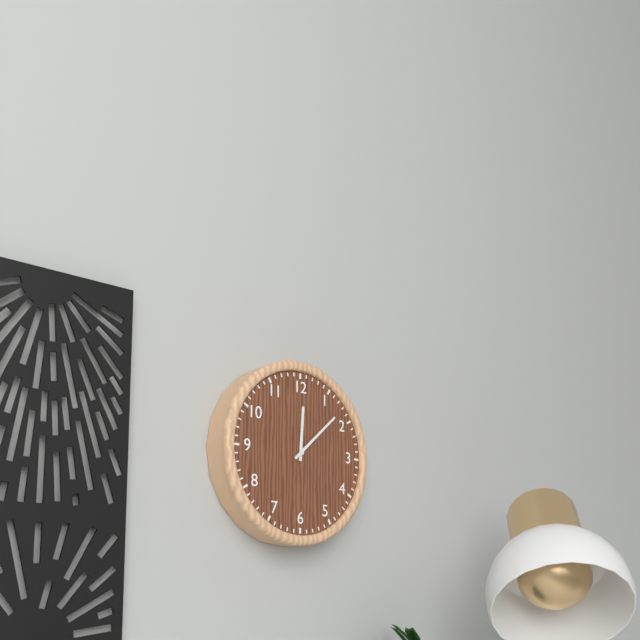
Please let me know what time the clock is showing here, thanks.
12:08
